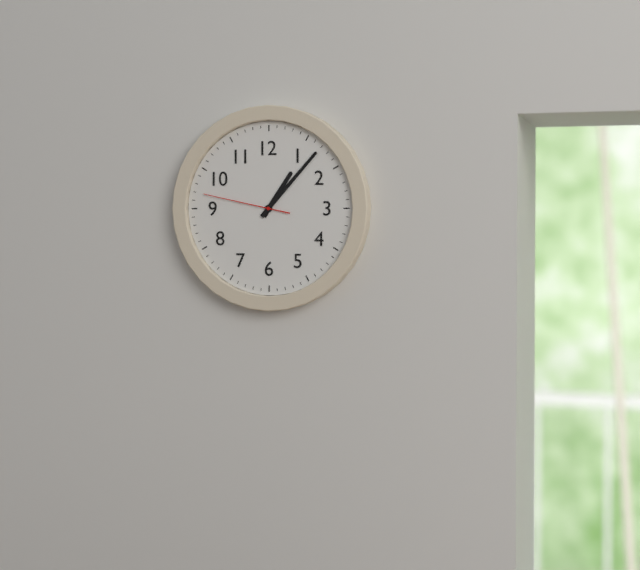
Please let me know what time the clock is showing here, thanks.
1:07:47
